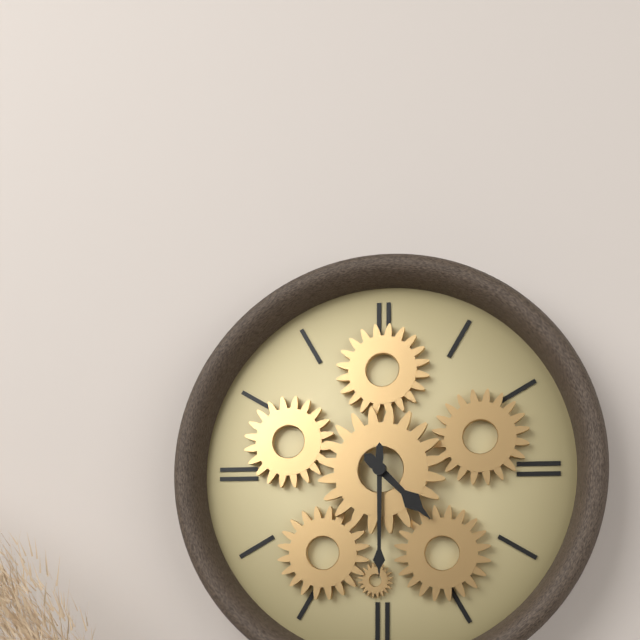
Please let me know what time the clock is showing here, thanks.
4:30
